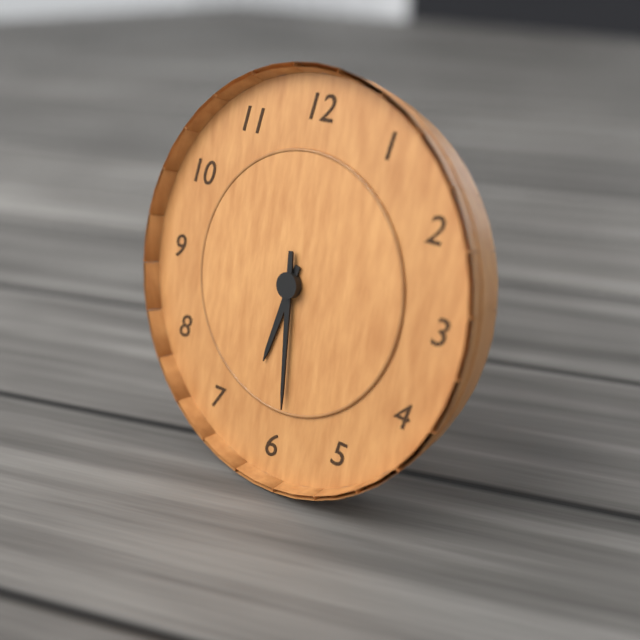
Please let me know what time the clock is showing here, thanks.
6:29
